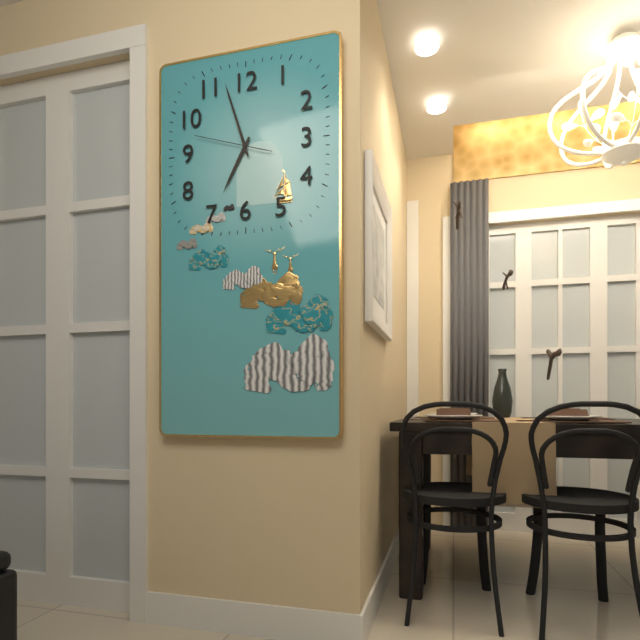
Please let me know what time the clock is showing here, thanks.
6:57:48
